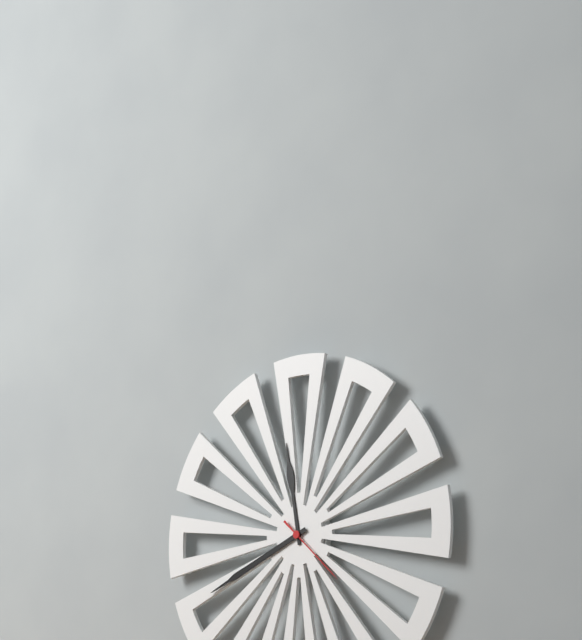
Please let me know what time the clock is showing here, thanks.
11:41:22
